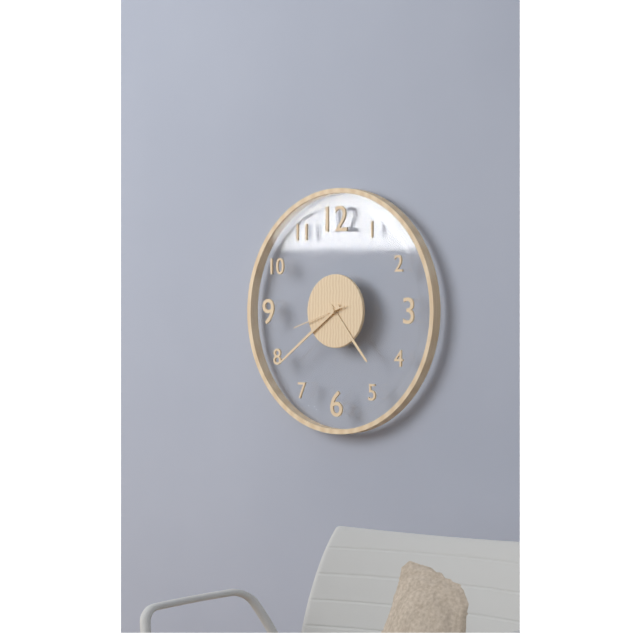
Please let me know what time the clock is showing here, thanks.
4:39:42
